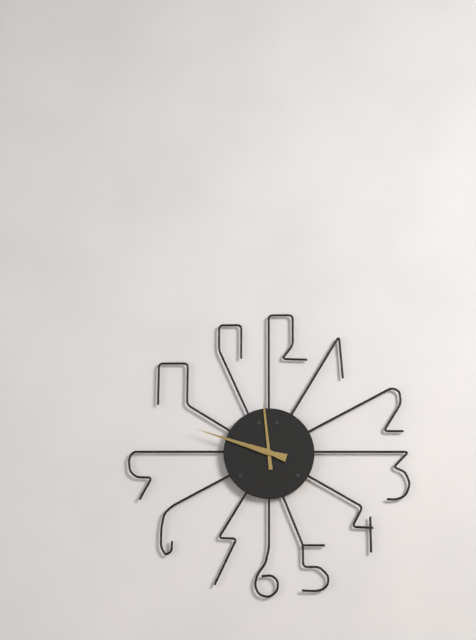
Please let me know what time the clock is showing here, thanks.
11:48
